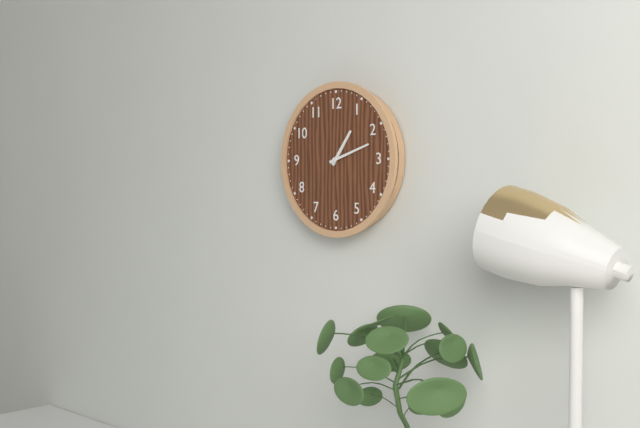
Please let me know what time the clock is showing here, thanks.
1:12
